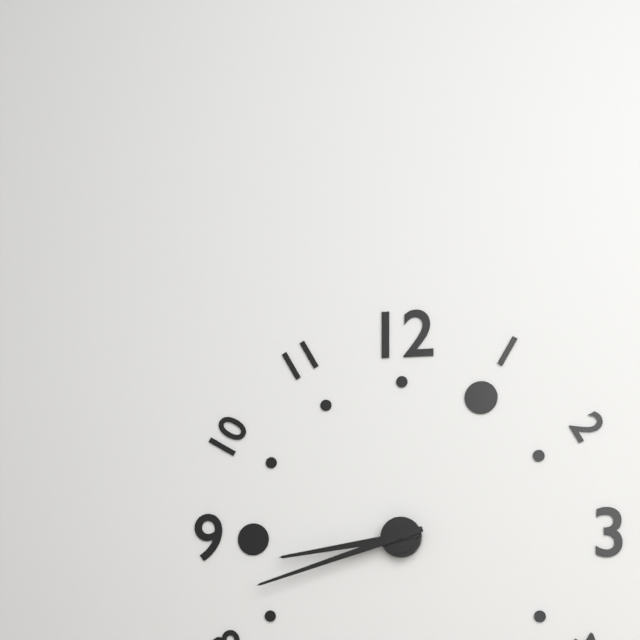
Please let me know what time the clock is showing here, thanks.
8:42
